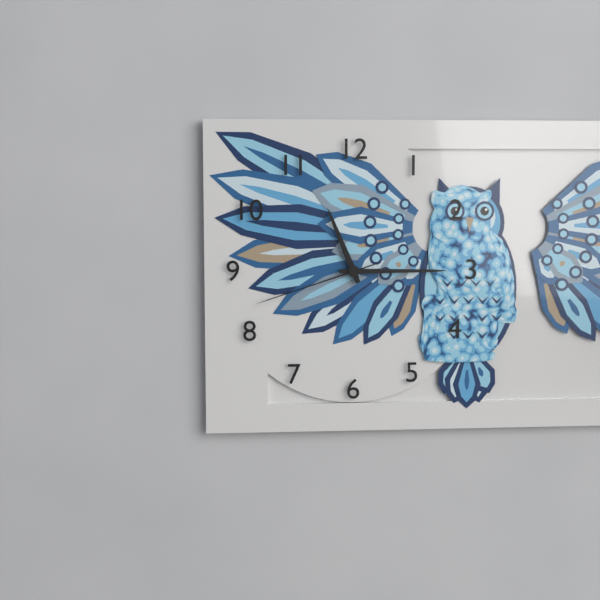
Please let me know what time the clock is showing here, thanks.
11:15:42
